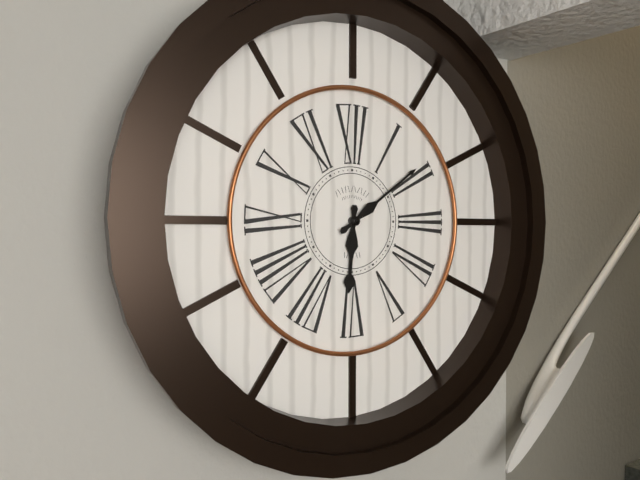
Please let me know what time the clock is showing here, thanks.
6:09
